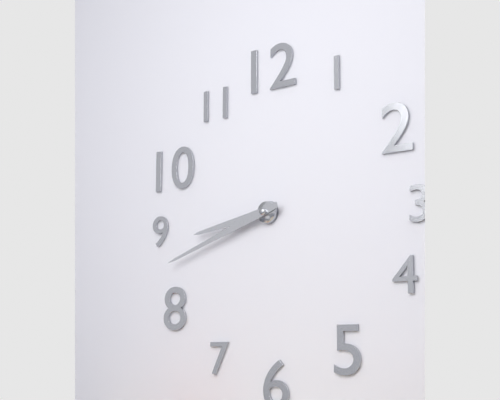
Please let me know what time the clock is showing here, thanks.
8:42
